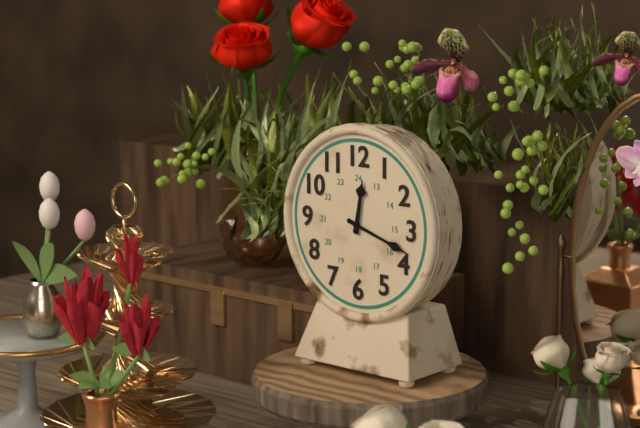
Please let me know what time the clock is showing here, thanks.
12:18
